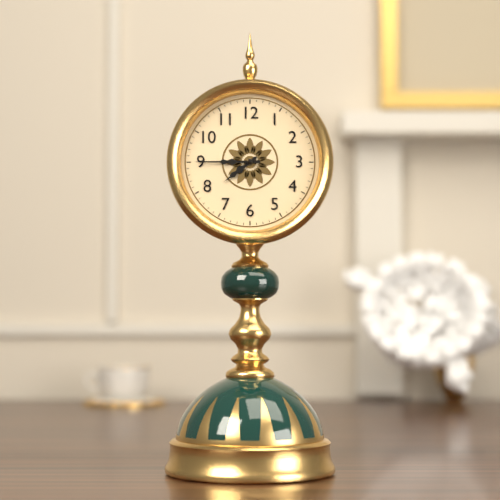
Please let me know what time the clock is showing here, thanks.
7:45
